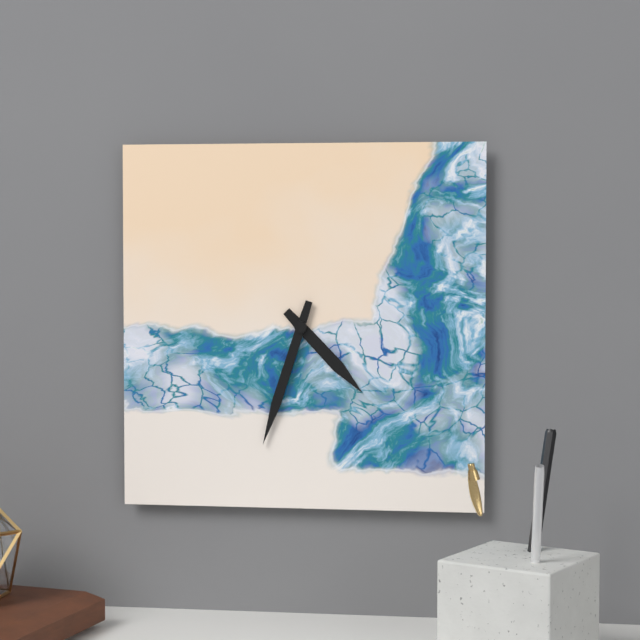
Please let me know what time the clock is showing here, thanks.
4:33
